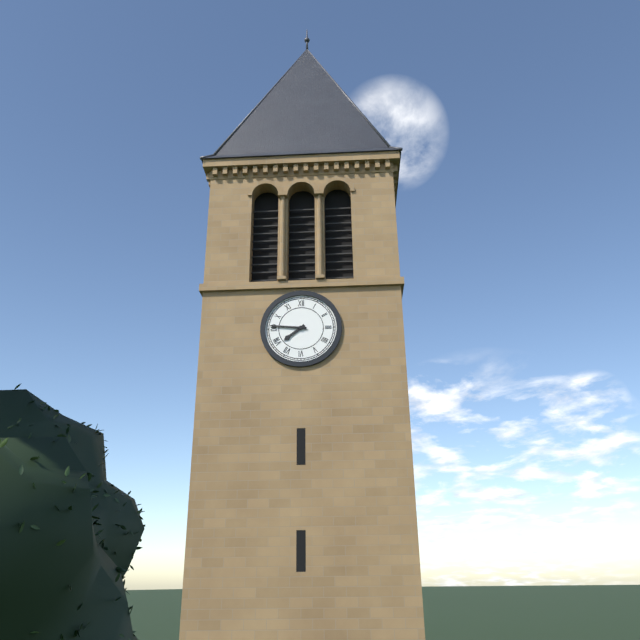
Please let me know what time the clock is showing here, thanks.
7:46
